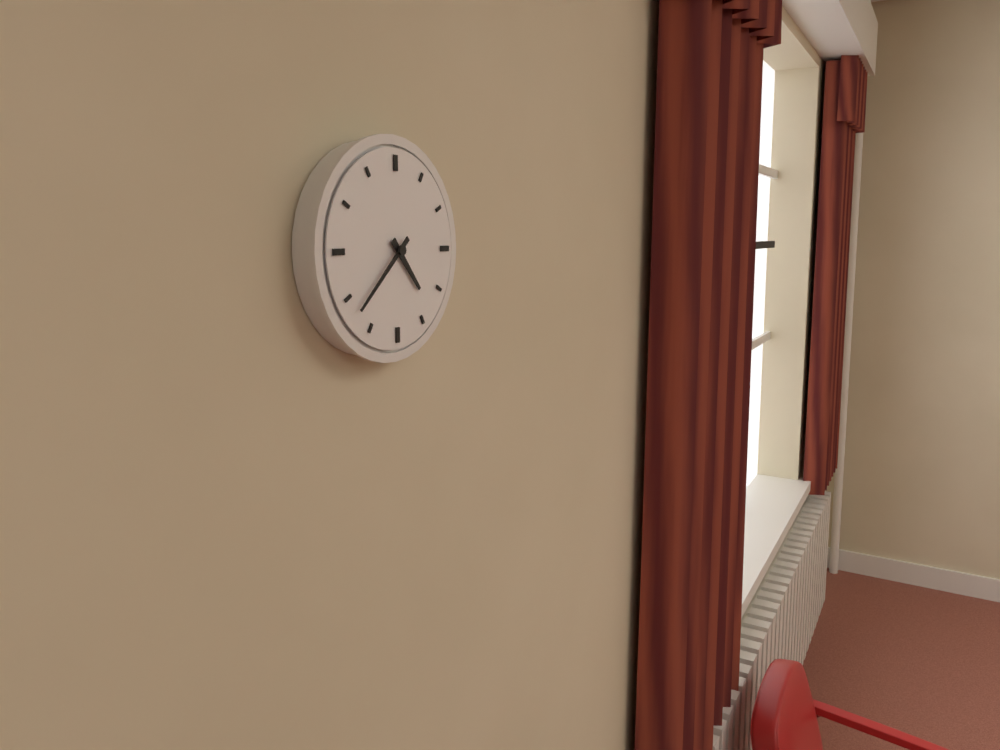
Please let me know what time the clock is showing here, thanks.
4:38
